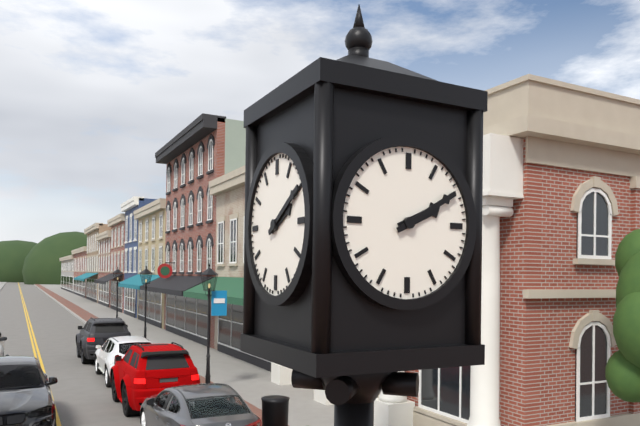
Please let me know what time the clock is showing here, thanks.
2:10
